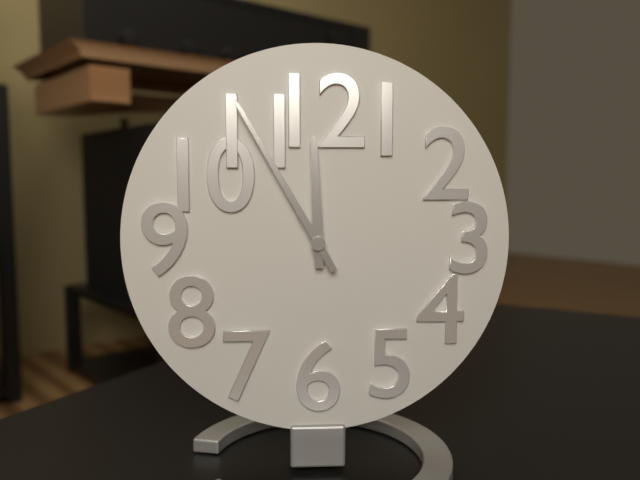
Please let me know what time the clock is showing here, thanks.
11:55
